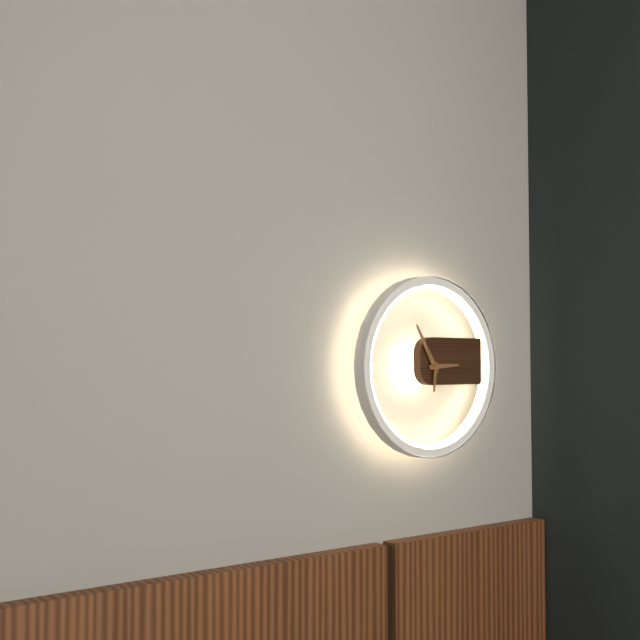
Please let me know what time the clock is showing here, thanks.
2:55
